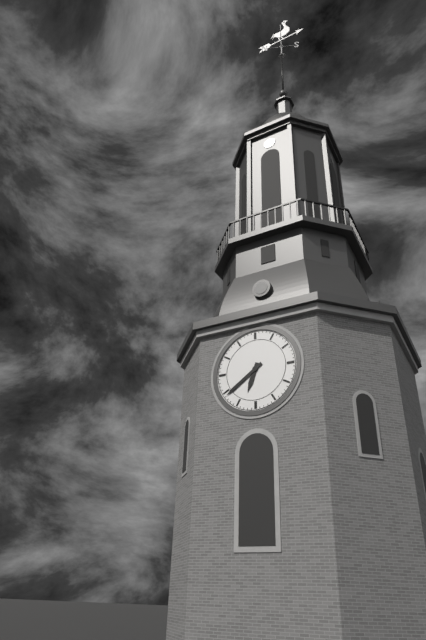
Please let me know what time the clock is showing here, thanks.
6:39
